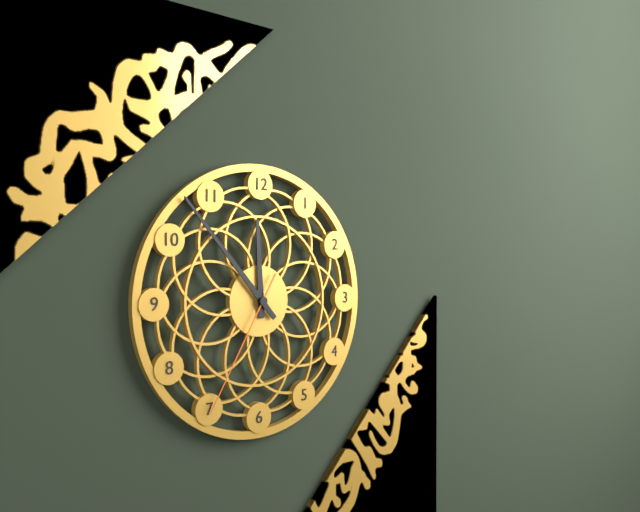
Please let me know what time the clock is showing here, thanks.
11:53:35
